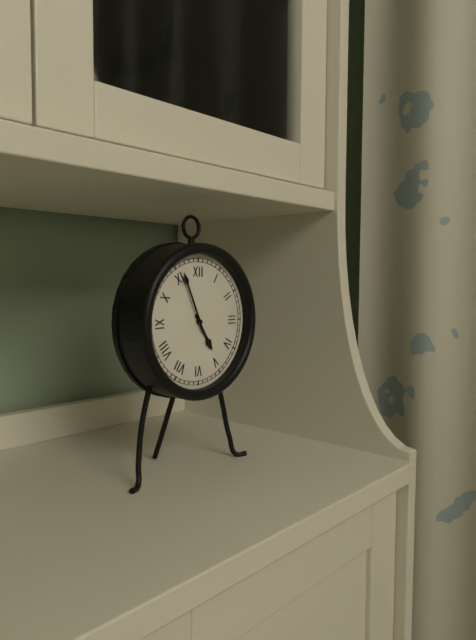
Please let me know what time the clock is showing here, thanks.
4:56
